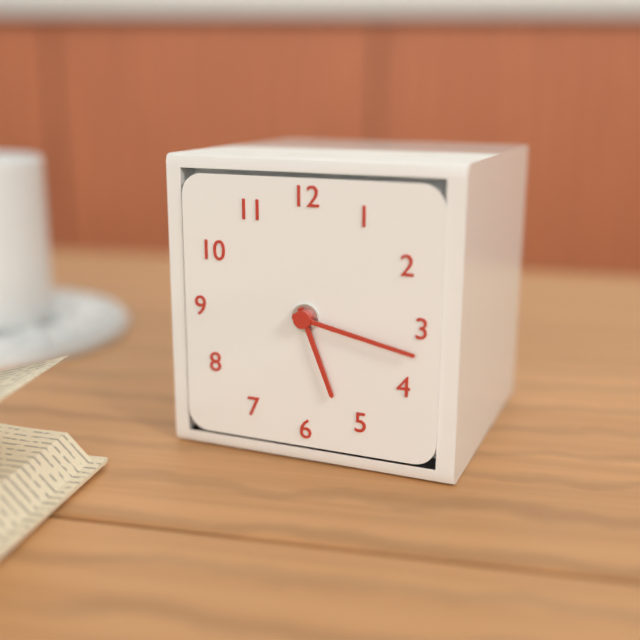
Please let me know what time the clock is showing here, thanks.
5:17
